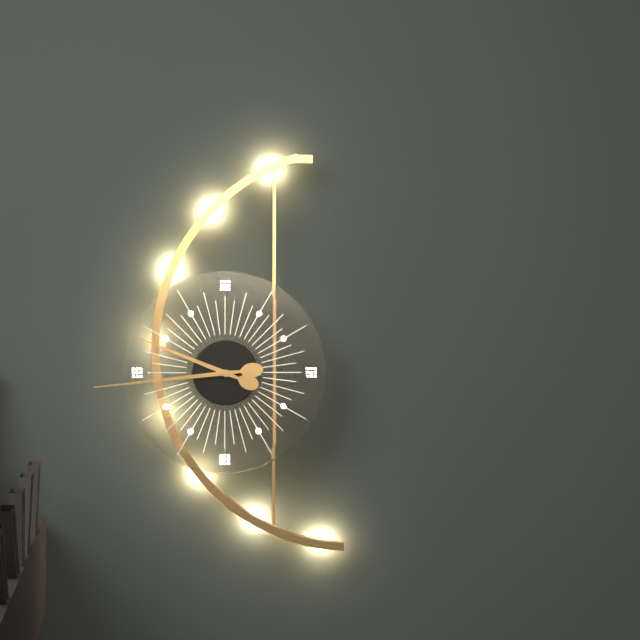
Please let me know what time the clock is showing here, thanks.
9:44
